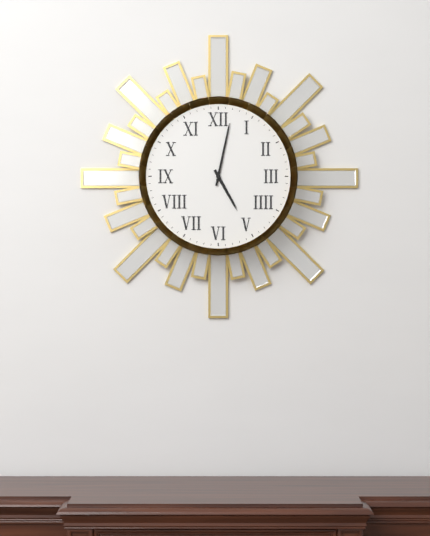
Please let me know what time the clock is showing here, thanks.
5:02
